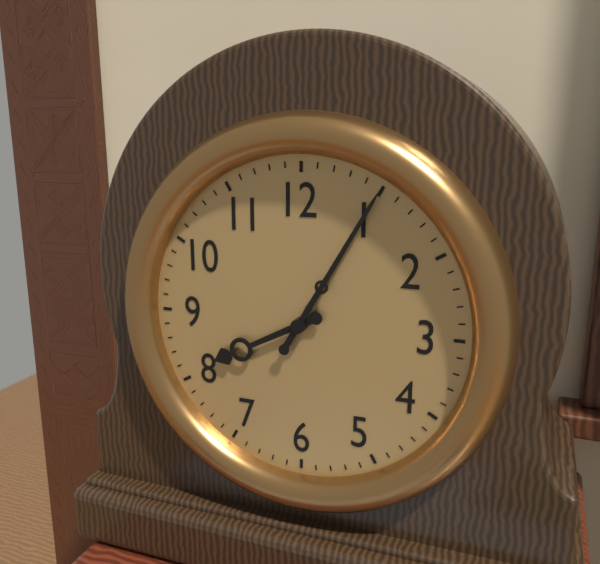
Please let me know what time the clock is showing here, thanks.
8:05
